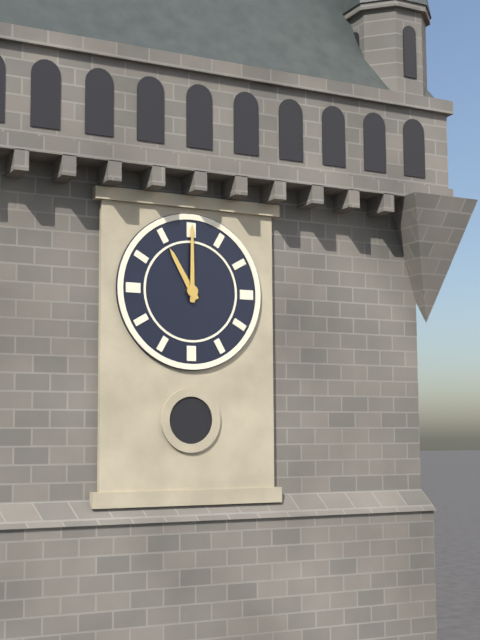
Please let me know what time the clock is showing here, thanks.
11:00
